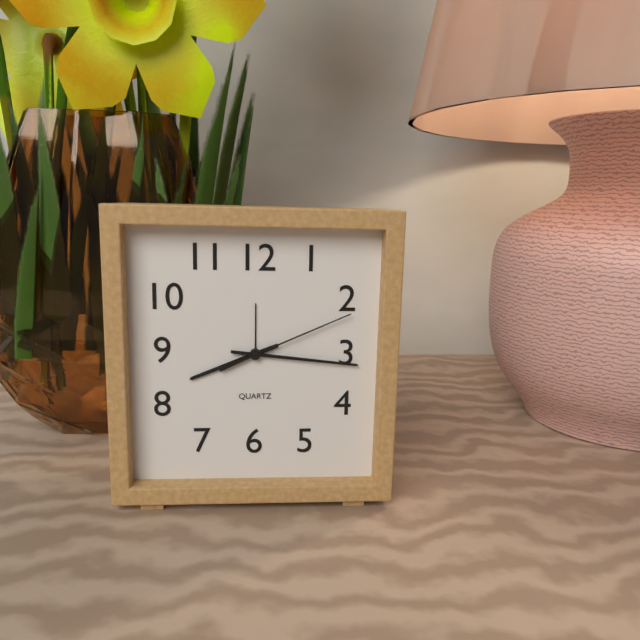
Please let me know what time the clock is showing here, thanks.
8:16:11
